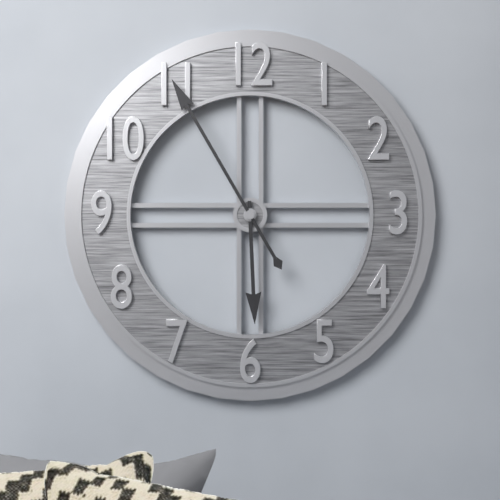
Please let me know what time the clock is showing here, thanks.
5:55
